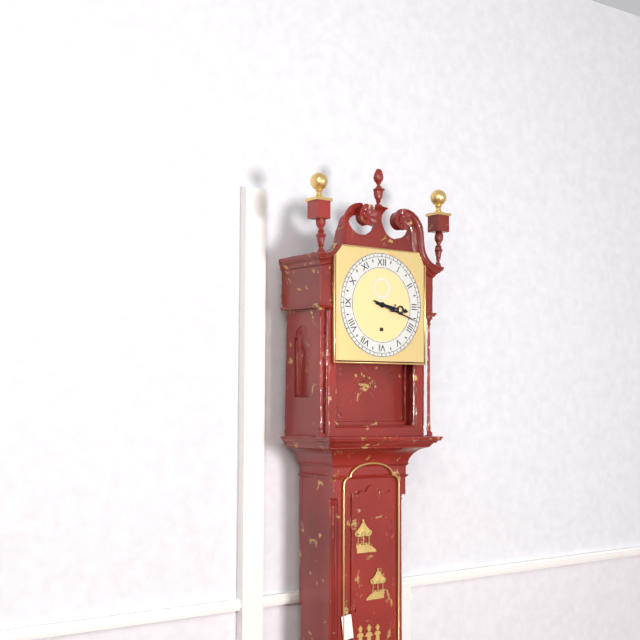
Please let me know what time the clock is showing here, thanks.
3:18
